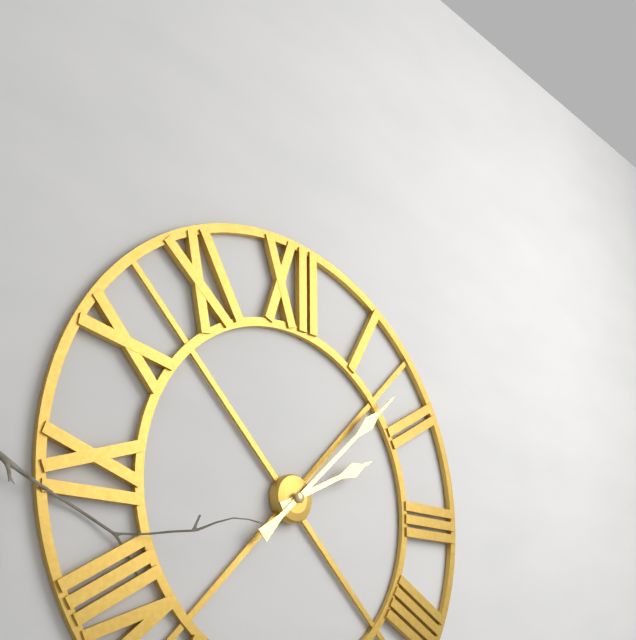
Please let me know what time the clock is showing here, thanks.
2:08
